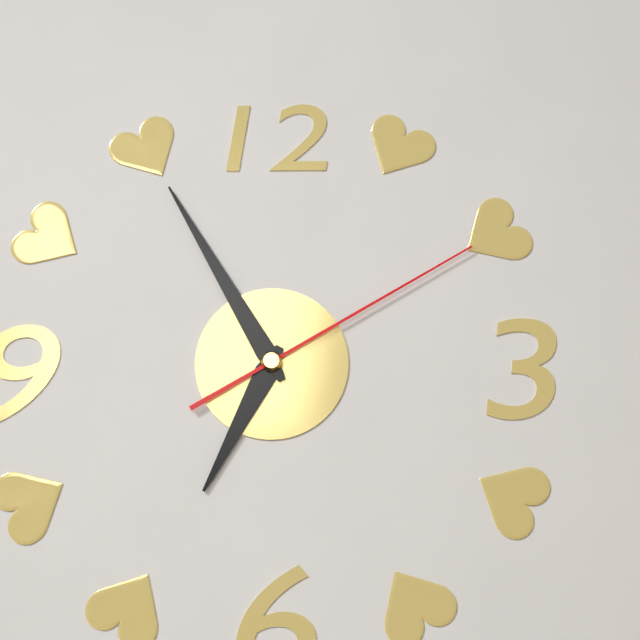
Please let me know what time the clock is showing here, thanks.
6:55:10
